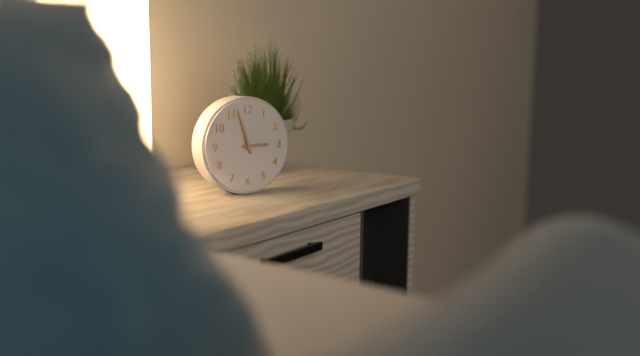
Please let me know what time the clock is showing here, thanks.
2:57
